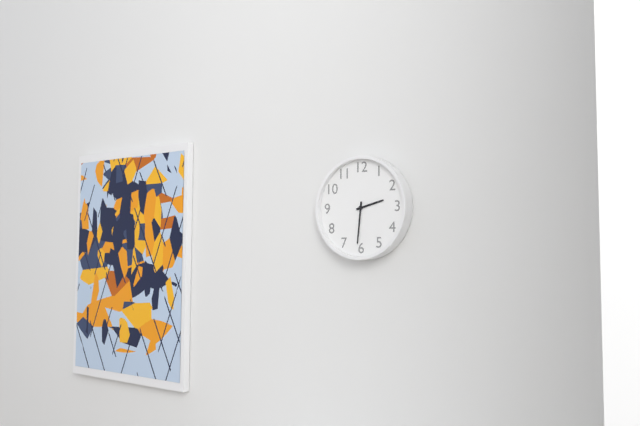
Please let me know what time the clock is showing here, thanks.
2:31
